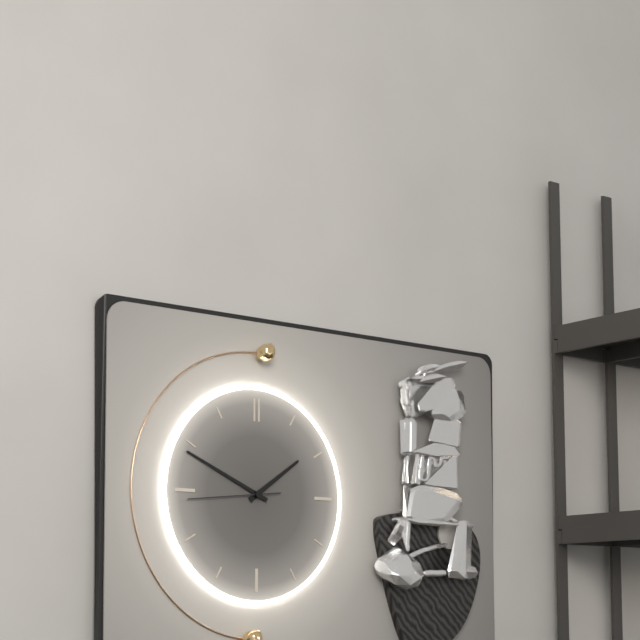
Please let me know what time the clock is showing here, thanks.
1:49:44
